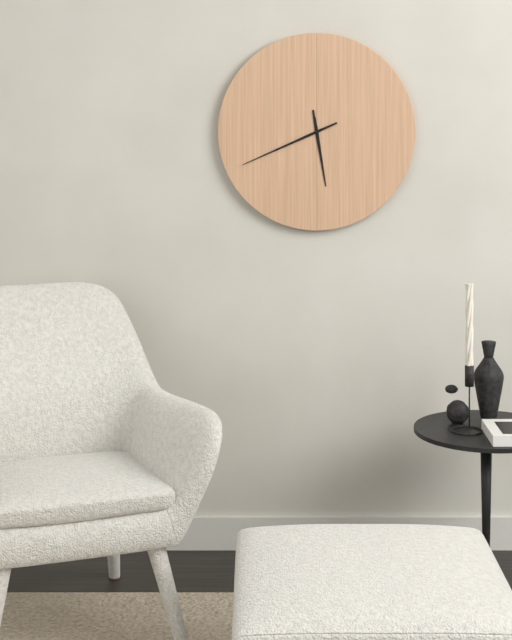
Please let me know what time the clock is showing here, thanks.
5:41
